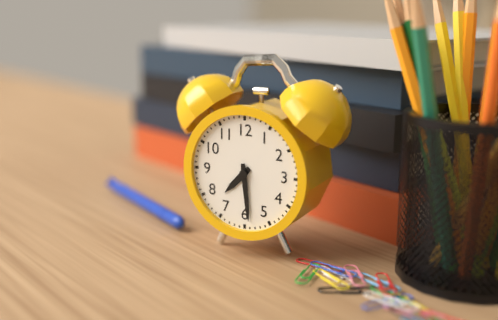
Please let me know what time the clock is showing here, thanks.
7:29
